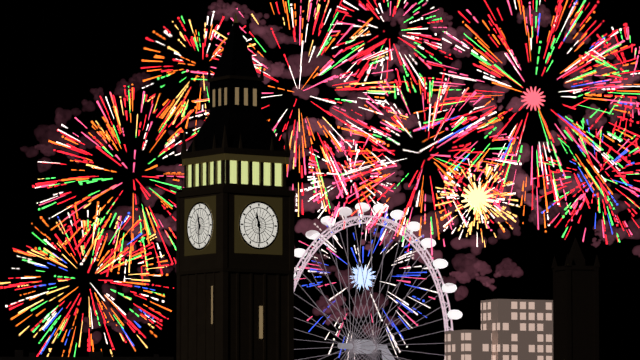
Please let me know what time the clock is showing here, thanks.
11:30
